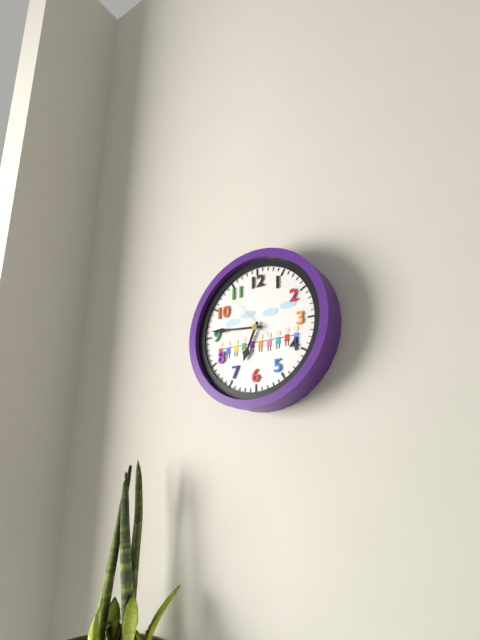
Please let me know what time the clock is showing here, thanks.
6:46:53
